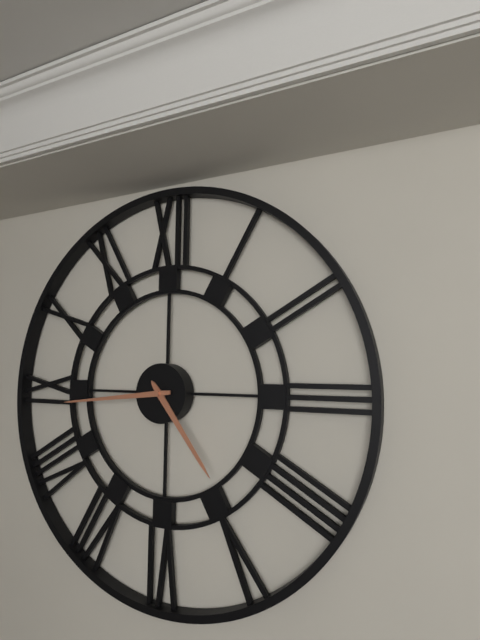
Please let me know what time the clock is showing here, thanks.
4:44
